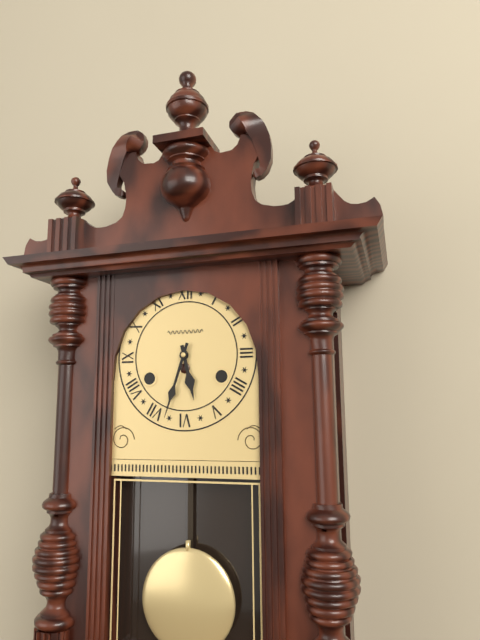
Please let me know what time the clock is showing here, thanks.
5:33
